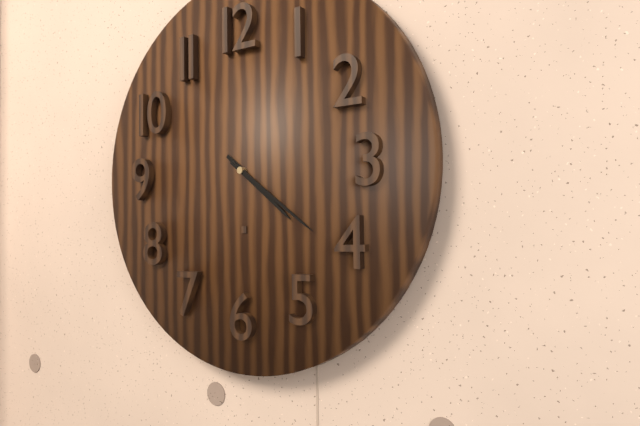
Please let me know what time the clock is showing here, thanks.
4:21
